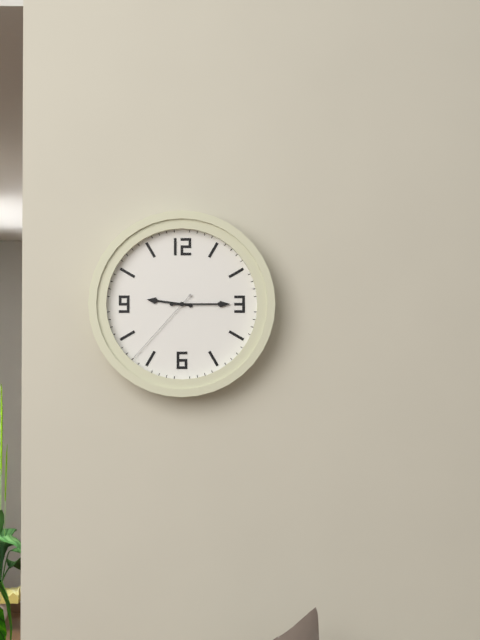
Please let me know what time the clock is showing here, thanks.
9:15:37
